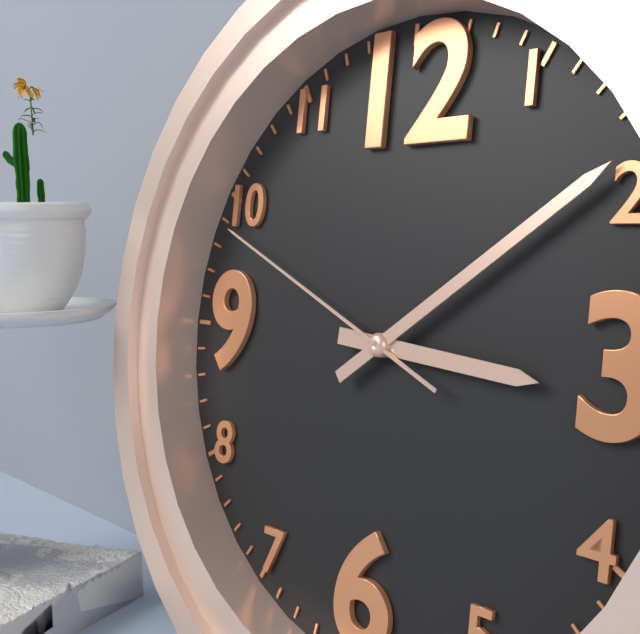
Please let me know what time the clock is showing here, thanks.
3:09:49
